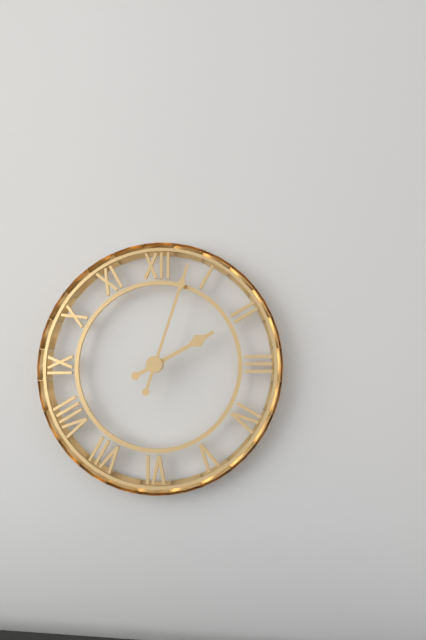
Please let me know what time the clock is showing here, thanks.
2:03
